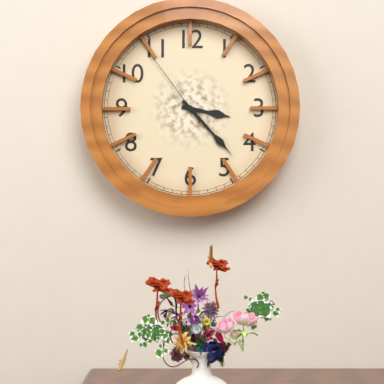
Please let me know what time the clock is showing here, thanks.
3:23:54
